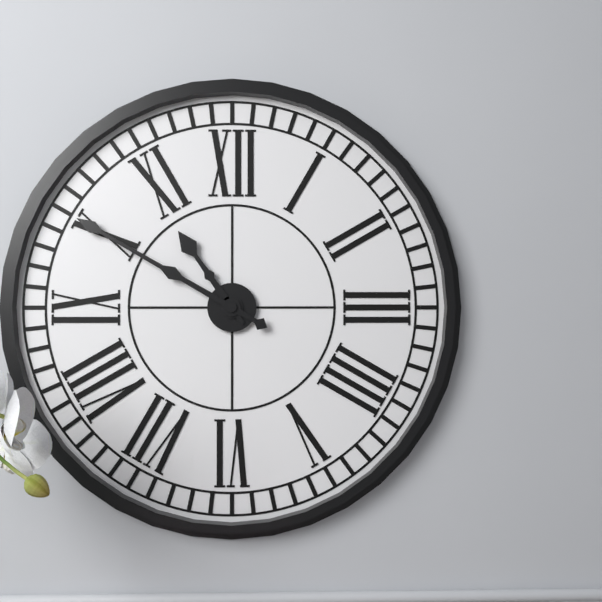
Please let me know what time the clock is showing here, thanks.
10:50
